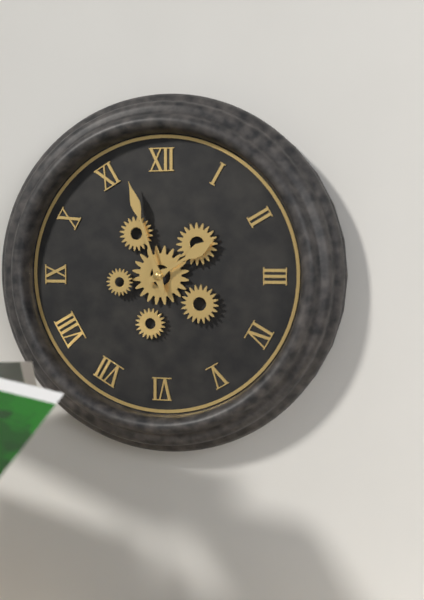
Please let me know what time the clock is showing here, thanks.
1:57
